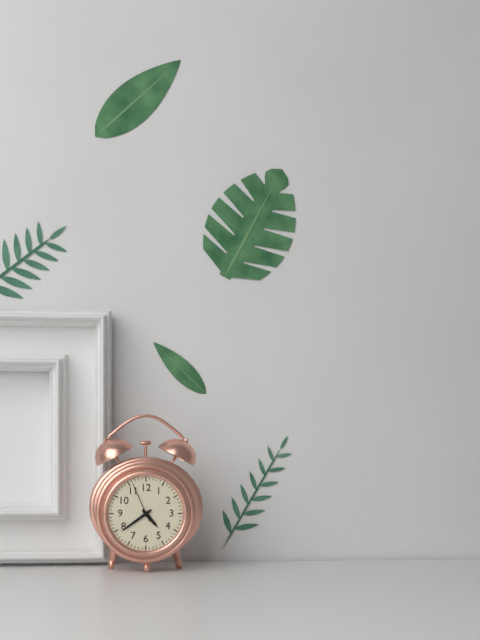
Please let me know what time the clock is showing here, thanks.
4:39
